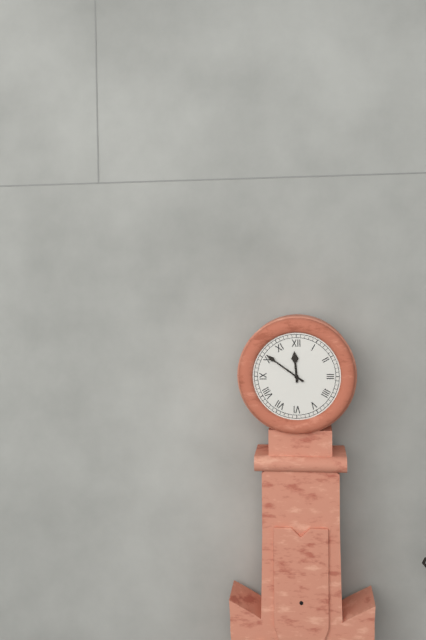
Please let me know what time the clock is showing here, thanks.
11:51
